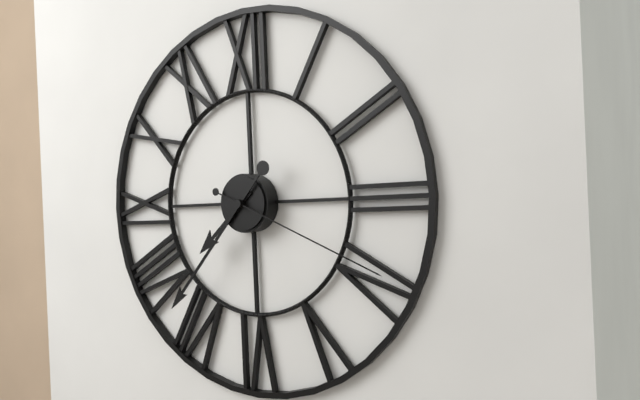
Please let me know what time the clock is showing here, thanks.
7:37:19
